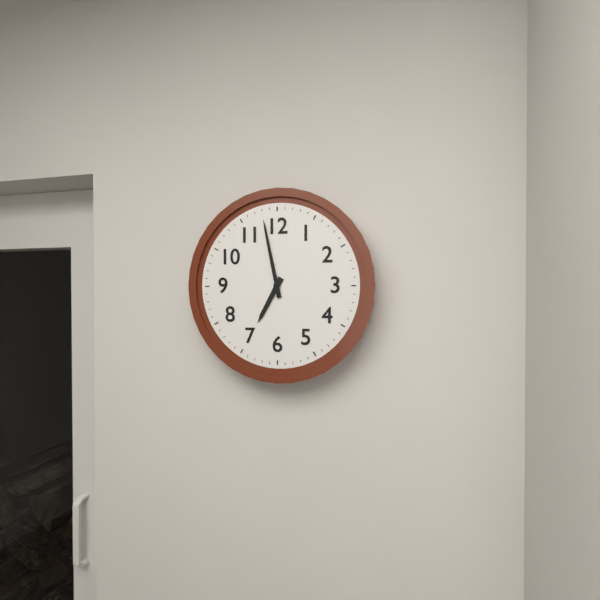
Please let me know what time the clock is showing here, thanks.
6:58
